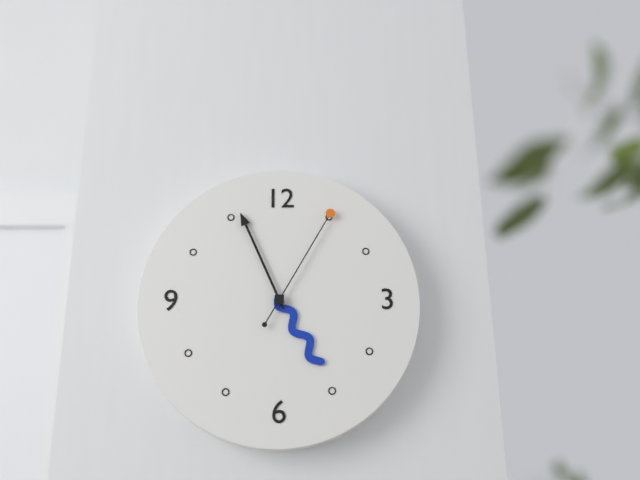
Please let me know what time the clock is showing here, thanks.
4:56:05
